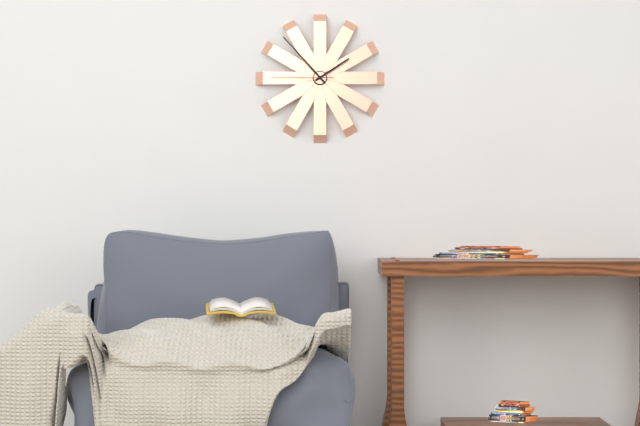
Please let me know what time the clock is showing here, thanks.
1:53:45
